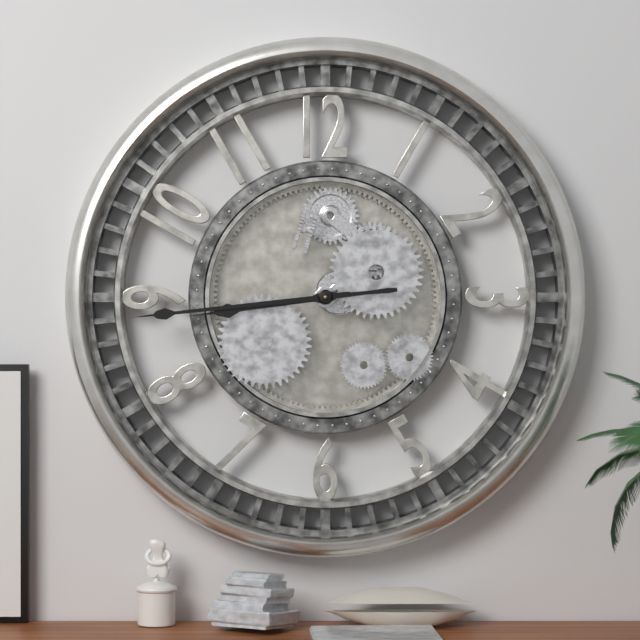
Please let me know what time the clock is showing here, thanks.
8:44
